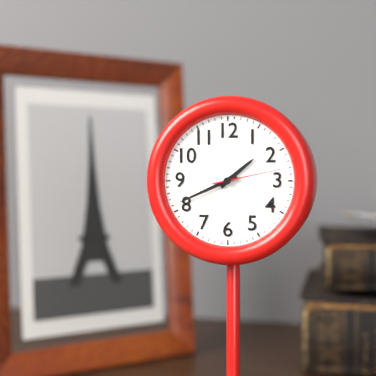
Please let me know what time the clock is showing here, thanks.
1:41:13
